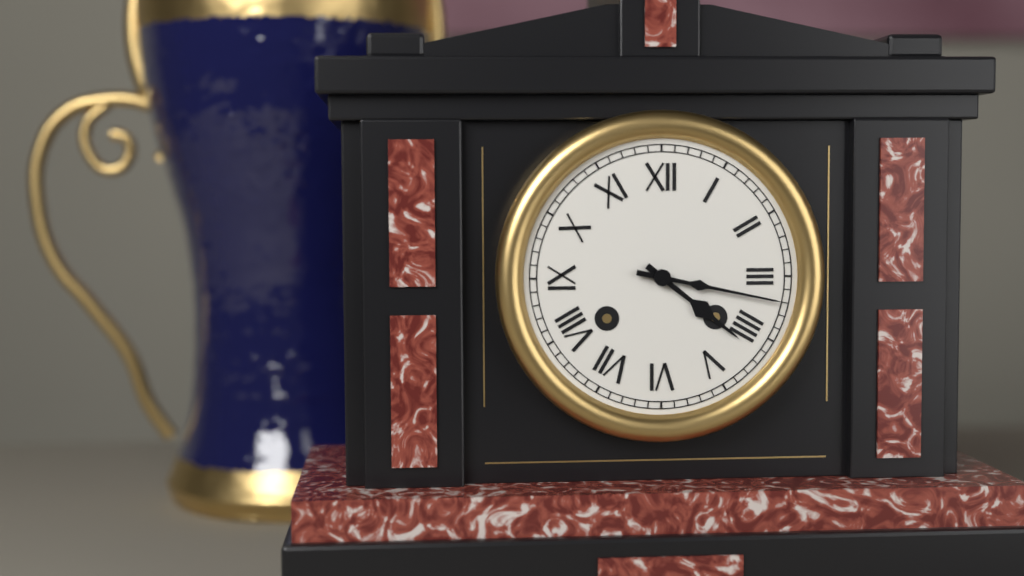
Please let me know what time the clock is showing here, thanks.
4:17
